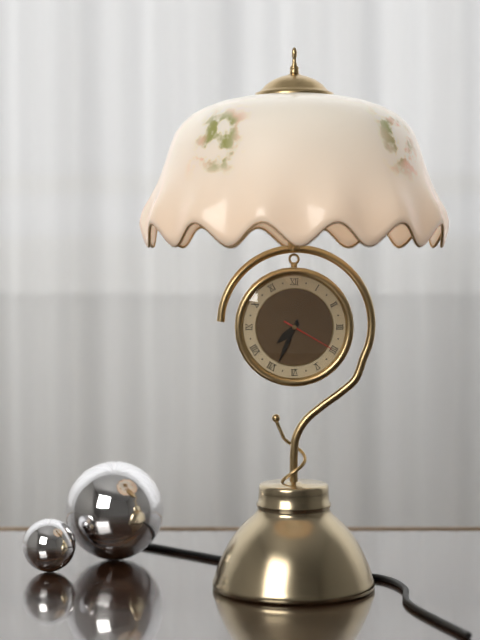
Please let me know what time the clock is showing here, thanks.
7:34:20
